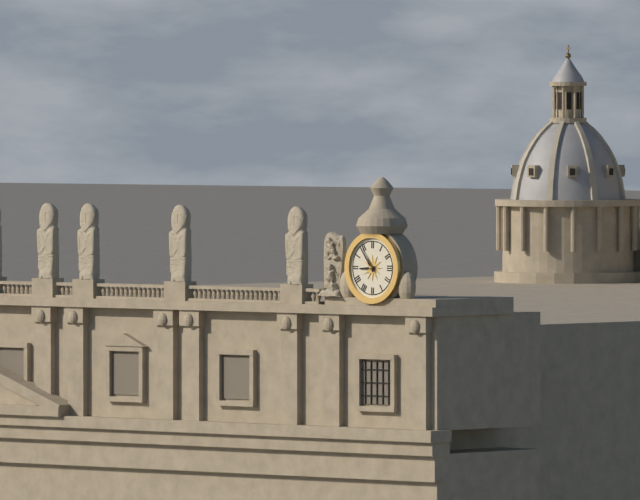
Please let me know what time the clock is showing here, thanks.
8:54
